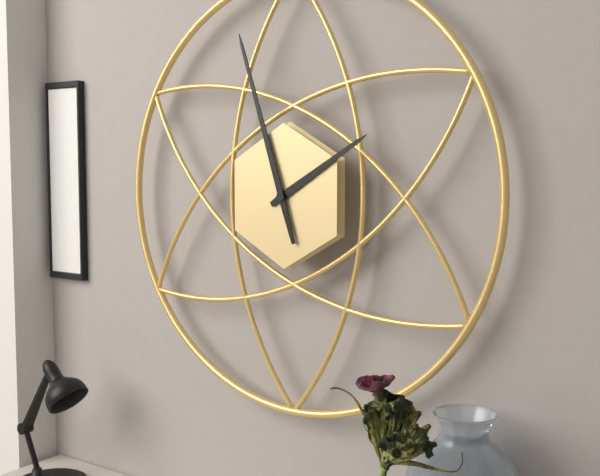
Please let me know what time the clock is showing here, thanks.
1:57
